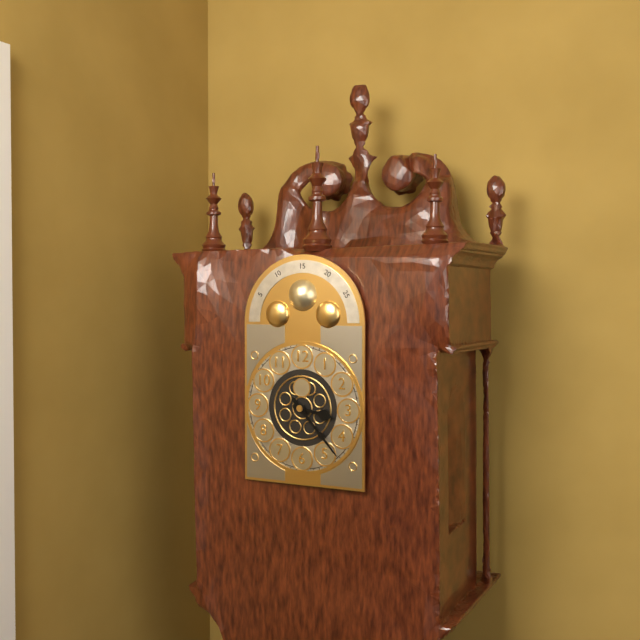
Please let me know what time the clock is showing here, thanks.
3:23
